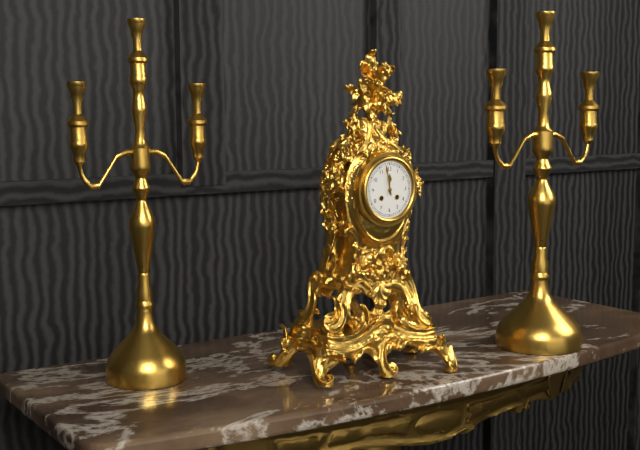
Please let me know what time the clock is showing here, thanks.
11:58
